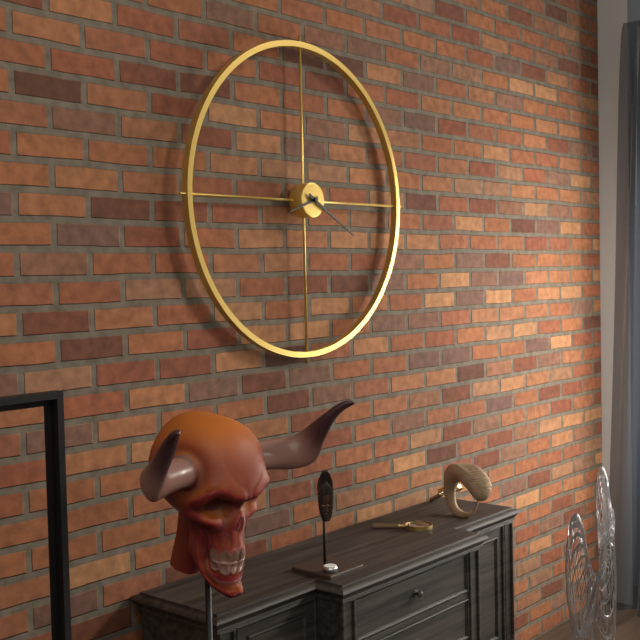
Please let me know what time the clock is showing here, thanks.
8:20
